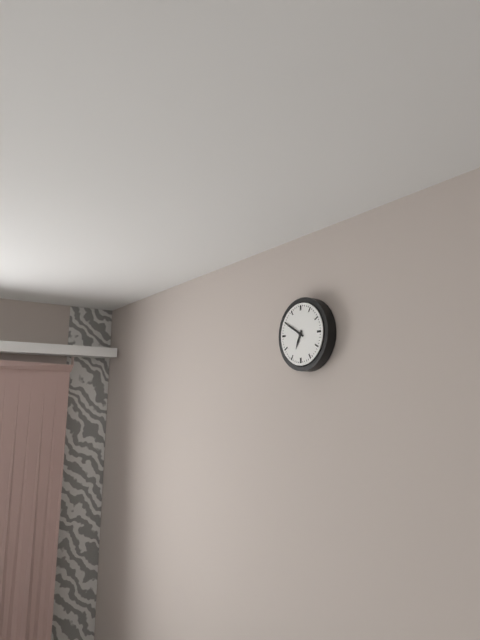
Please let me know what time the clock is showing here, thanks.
6:50
